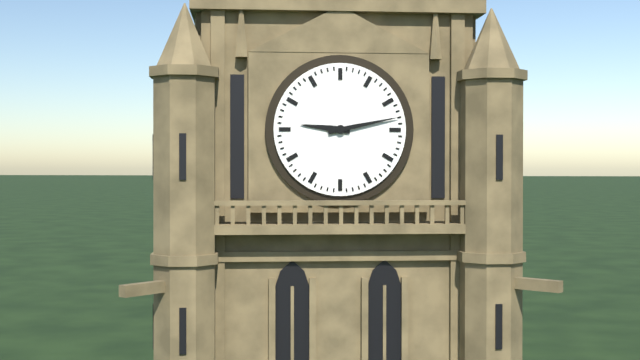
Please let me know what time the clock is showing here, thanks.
9:13
